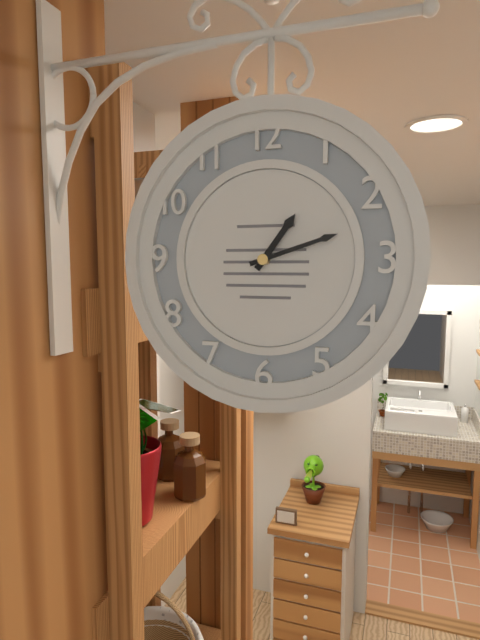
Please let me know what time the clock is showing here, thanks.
1:12
